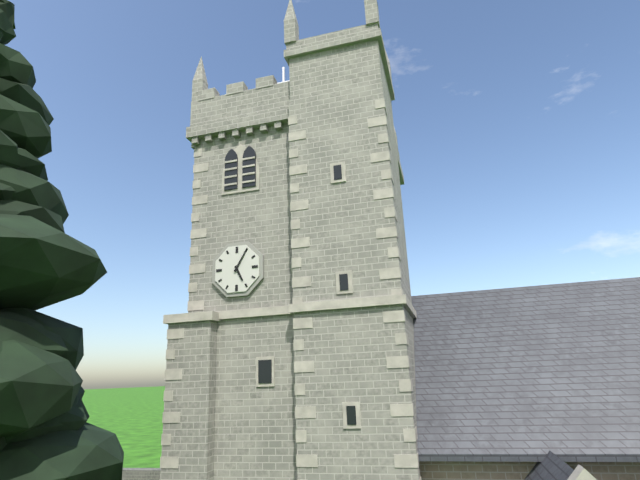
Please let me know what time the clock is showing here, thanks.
5:05
